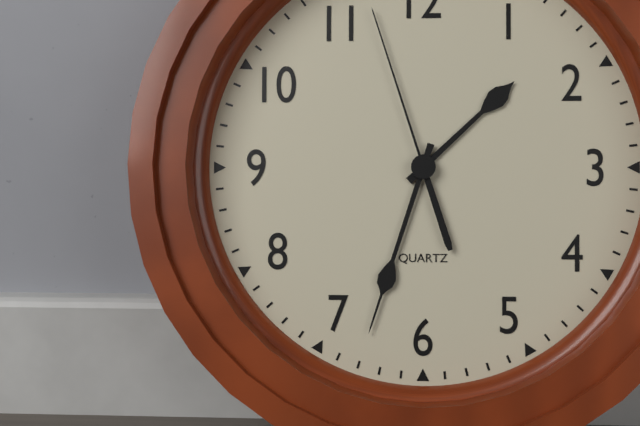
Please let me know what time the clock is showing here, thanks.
1:33:57
